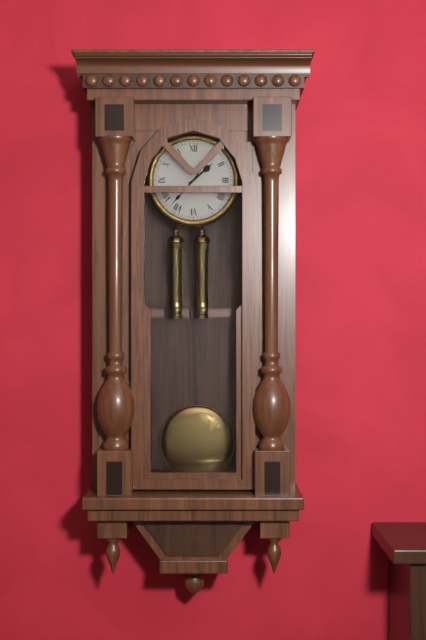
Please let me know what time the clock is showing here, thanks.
1:37
